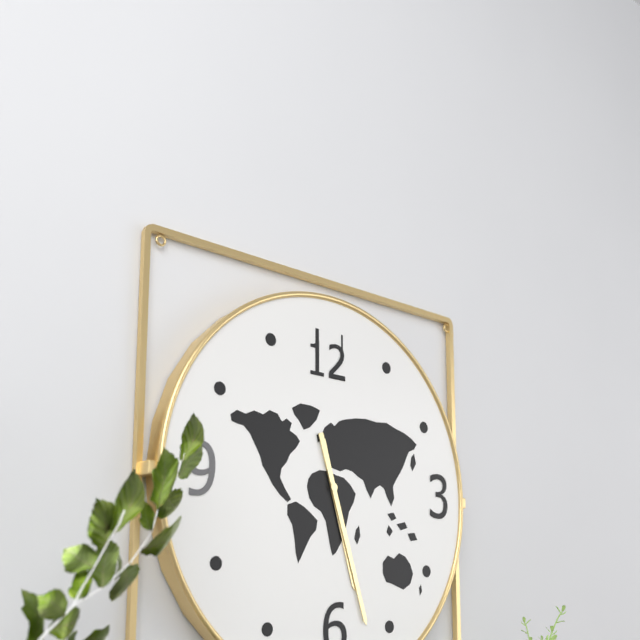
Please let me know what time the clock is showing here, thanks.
5:27
